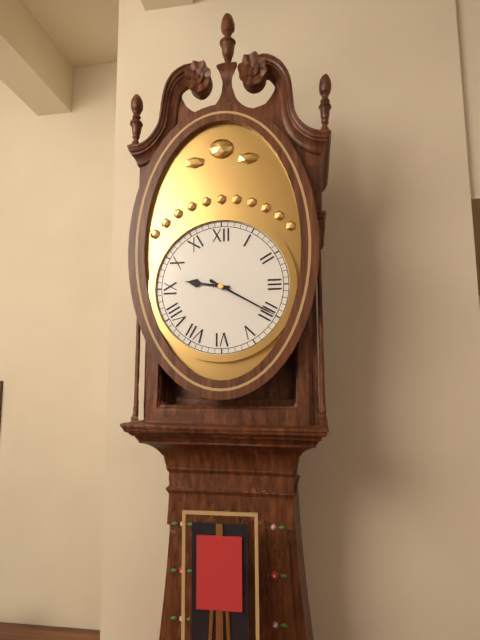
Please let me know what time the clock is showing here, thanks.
9:20
